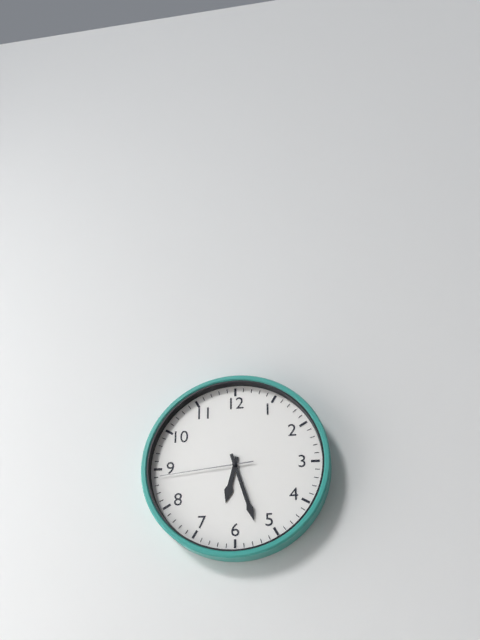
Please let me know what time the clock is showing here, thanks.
6:27:44
